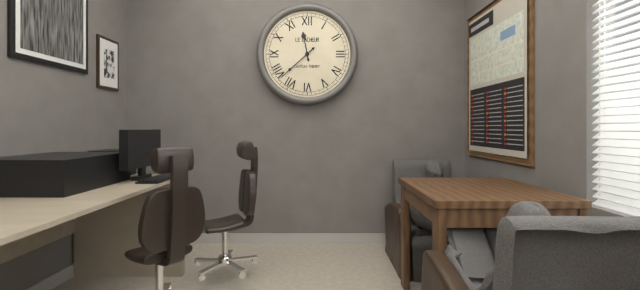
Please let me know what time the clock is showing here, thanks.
11:38
